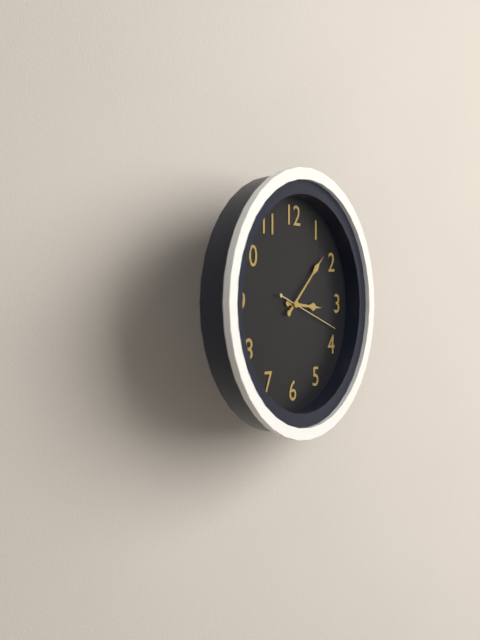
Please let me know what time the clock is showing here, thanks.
3:08:18
